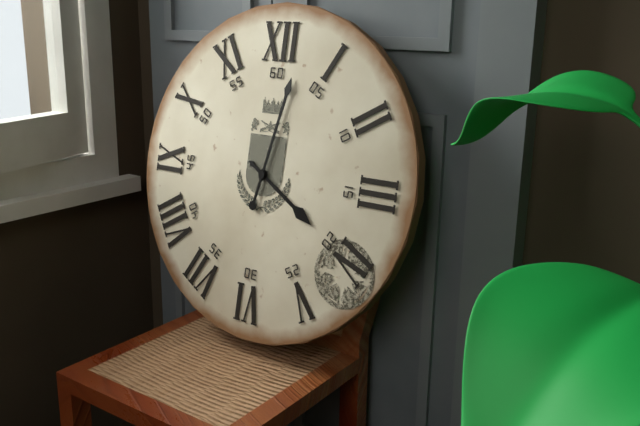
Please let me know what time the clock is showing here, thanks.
4:02
